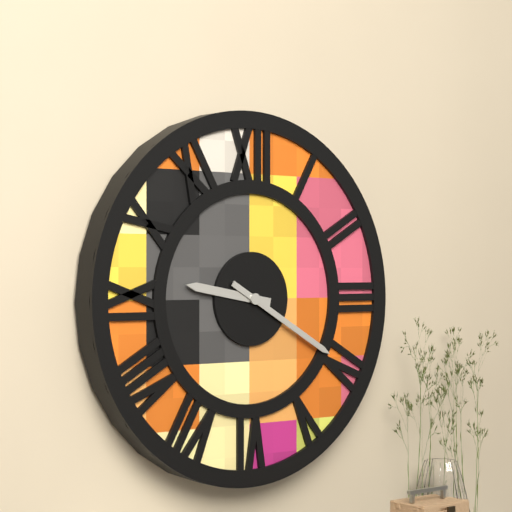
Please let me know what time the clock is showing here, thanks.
9:20
